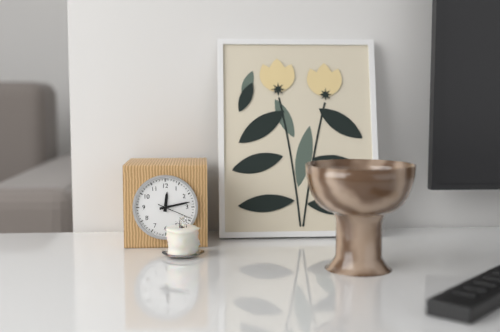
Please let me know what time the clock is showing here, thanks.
12:13
